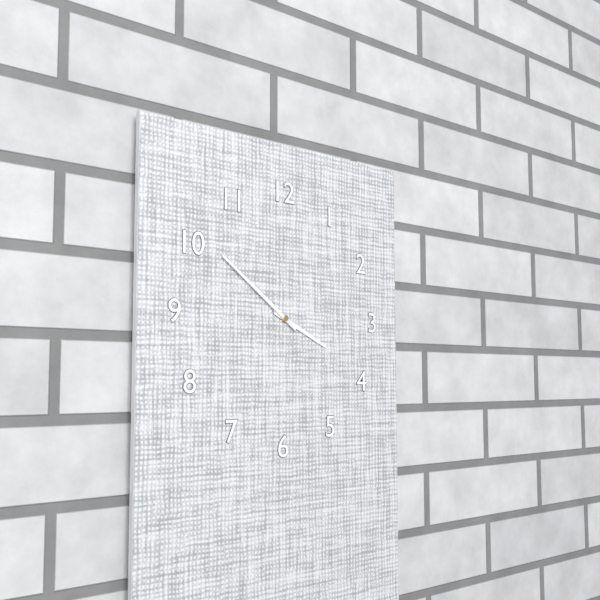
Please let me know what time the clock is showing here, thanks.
3:51
